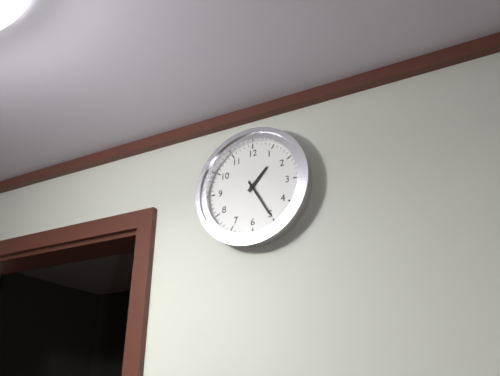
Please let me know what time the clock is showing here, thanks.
1:25
